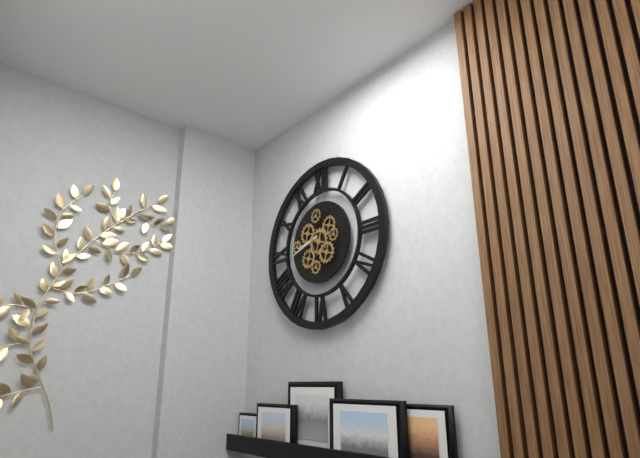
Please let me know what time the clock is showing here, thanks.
8:42
